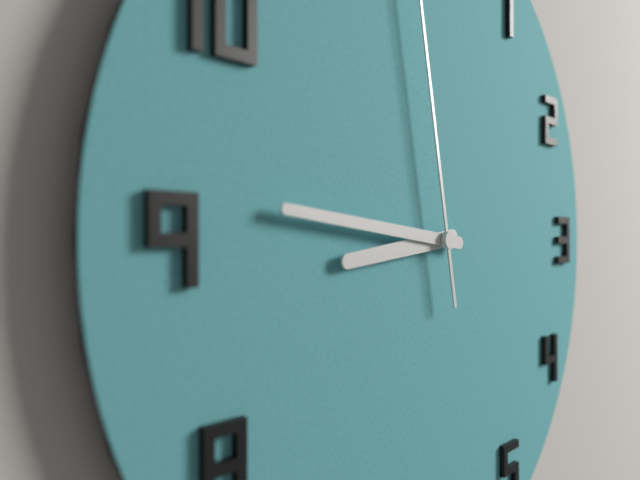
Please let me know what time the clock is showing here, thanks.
8:46
